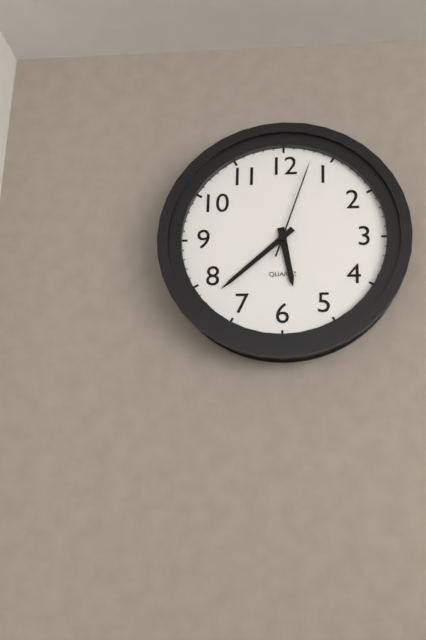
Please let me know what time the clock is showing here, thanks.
5:38:03
